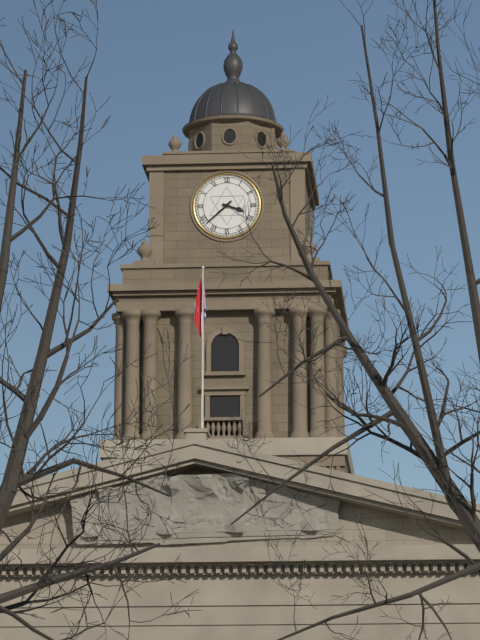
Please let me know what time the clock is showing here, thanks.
3:38
